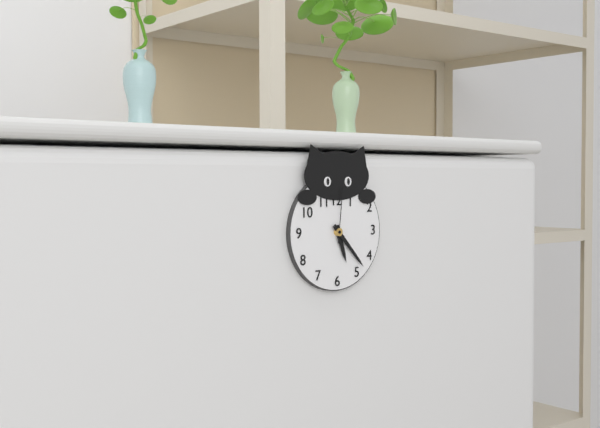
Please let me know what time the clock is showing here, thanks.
5:23:01
